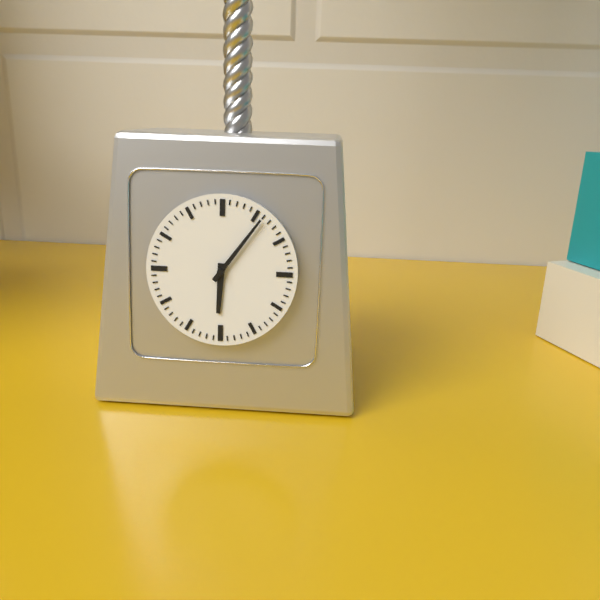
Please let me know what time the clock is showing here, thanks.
6:06
